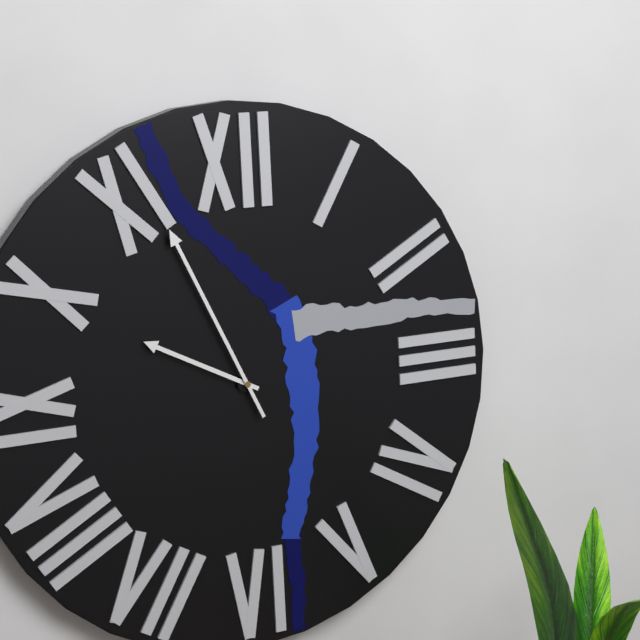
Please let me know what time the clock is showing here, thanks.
9:56
